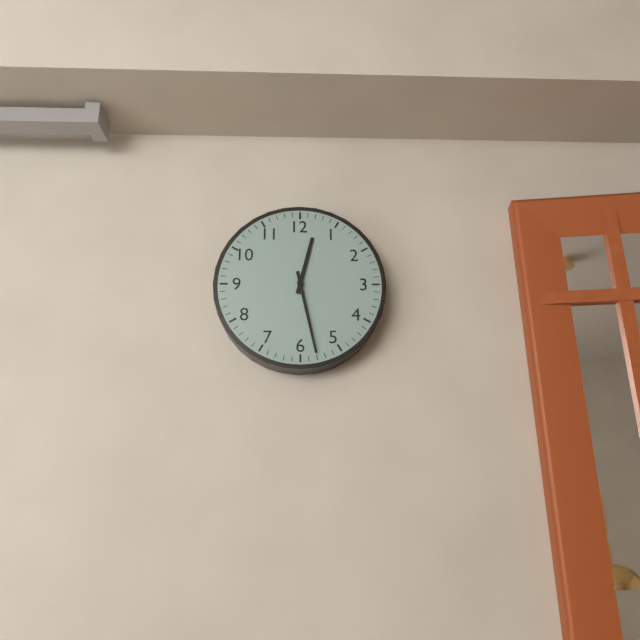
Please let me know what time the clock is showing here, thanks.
12:28
